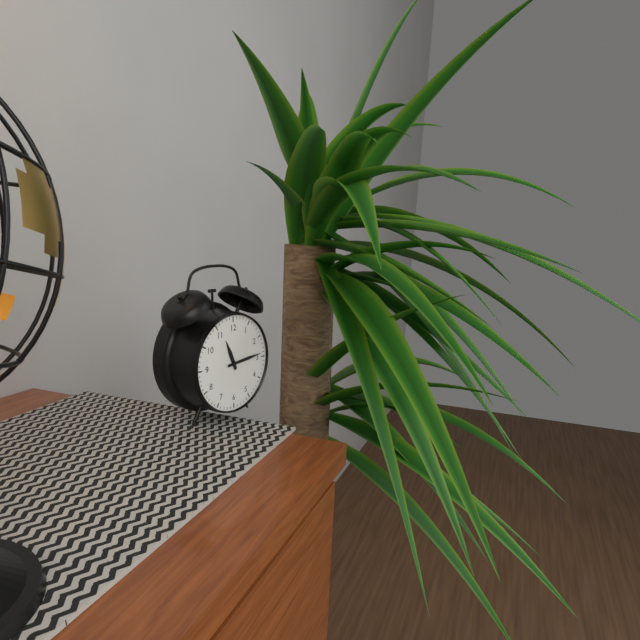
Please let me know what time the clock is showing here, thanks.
11:14
